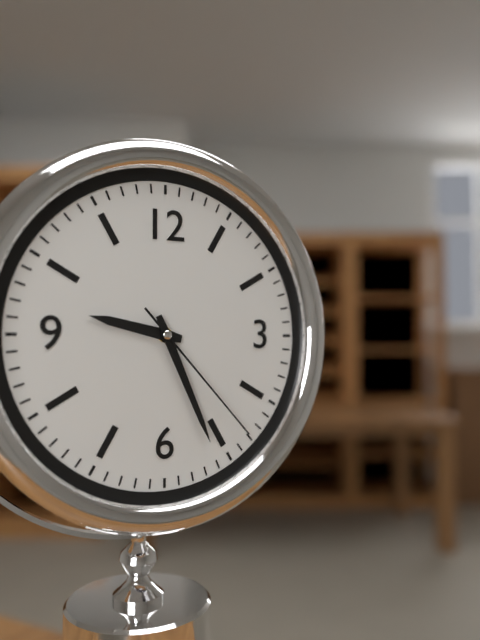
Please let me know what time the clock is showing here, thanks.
9:26:23
